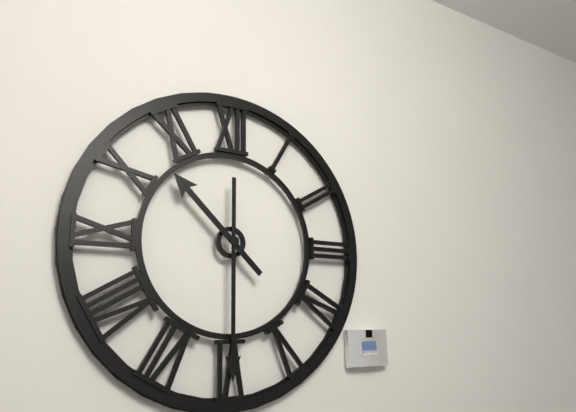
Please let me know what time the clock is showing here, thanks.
10:30
